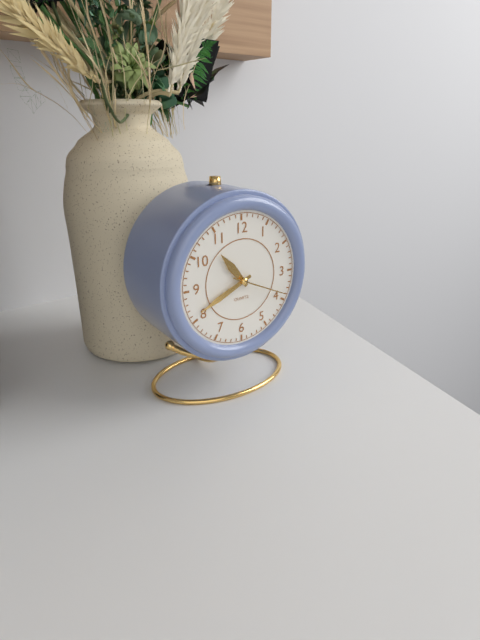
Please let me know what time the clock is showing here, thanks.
10:41:19
